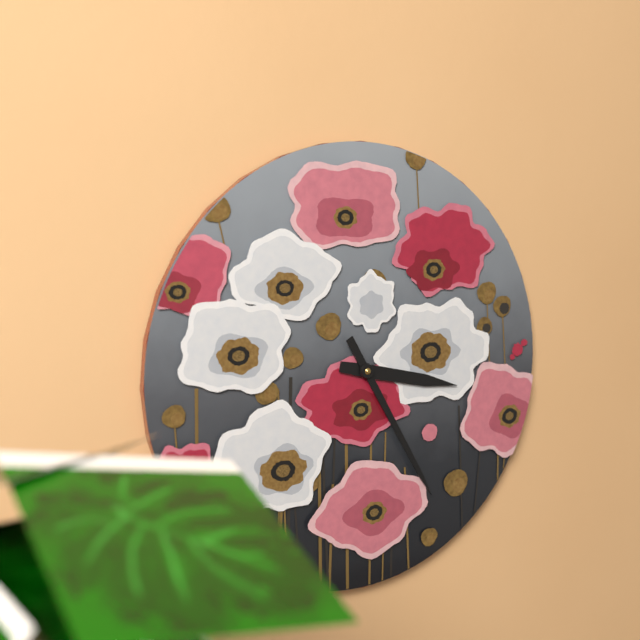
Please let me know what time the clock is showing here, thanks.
3:25
